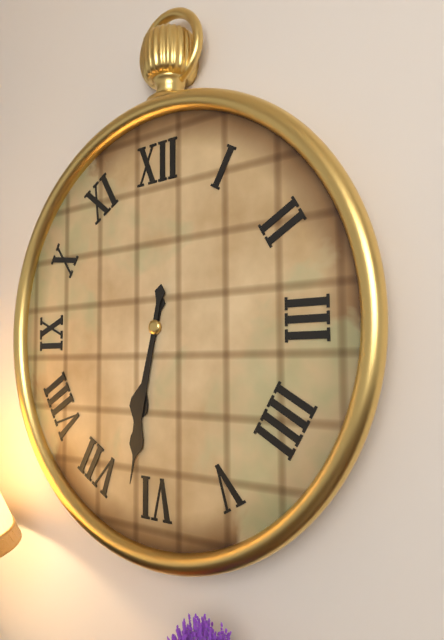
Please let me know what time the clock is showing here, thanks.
6:32
